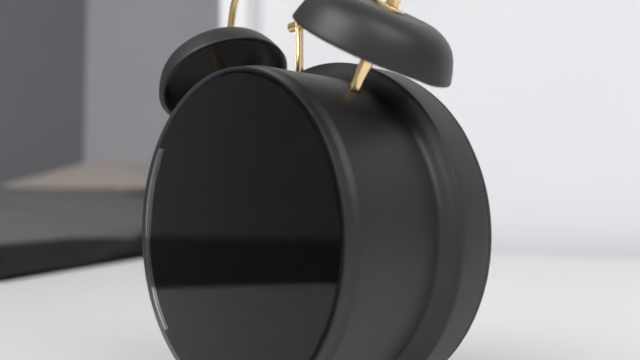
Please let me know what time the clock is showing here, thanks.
4:42:43
